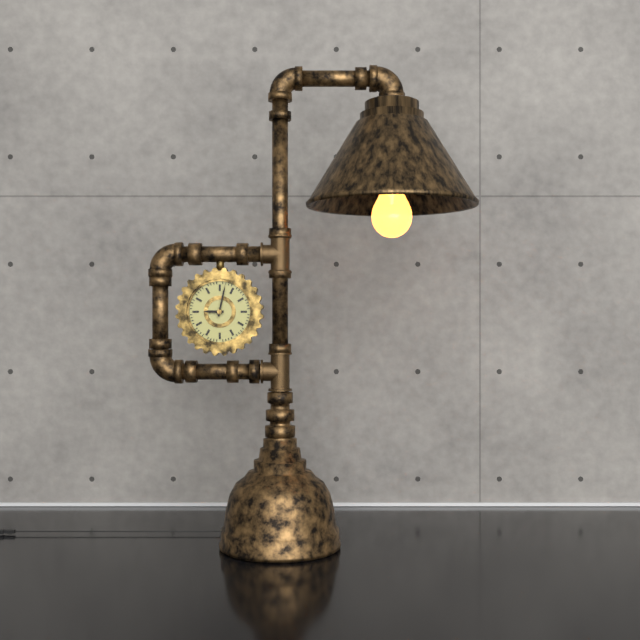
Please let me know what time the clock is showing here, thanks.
9:02
